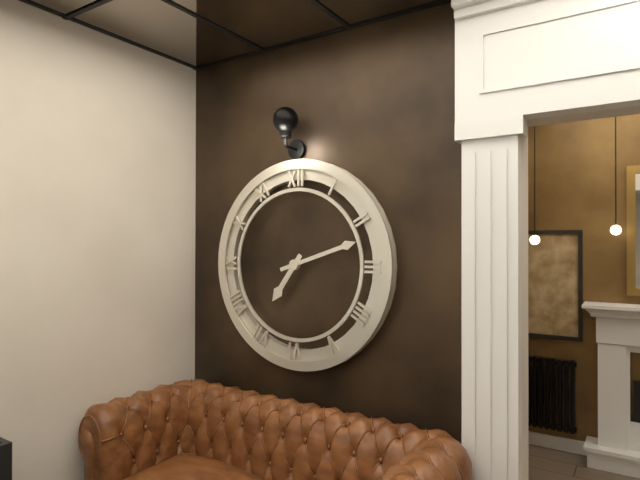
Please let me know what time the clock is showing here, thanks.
7:12
